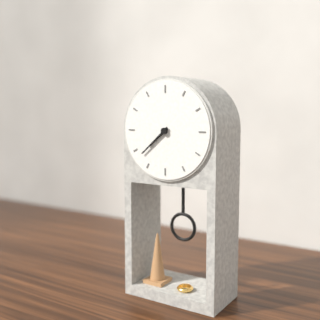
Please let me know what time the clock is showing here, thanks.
7:38
